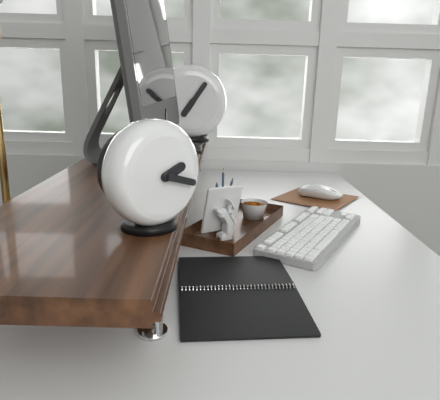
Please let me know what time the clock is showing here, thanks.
2:18
